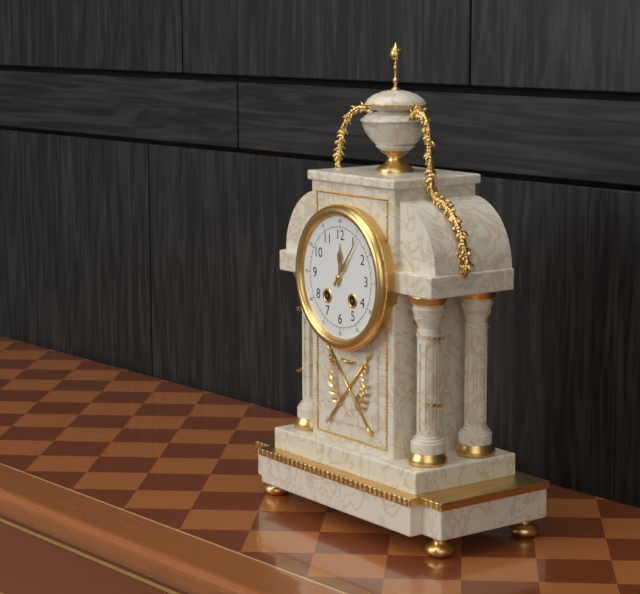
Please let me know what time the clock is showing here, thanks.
12:06
